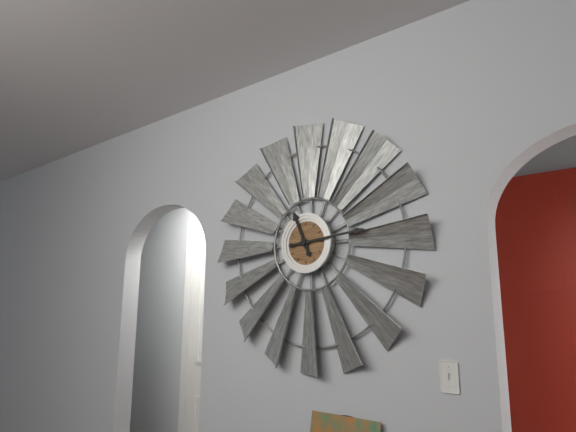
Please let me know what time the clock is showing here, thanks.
11:14
